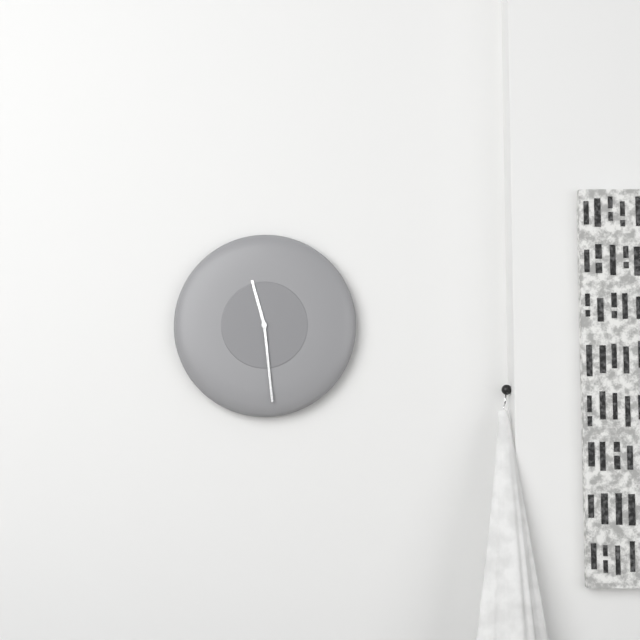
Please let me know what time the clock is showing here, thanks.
11:29
